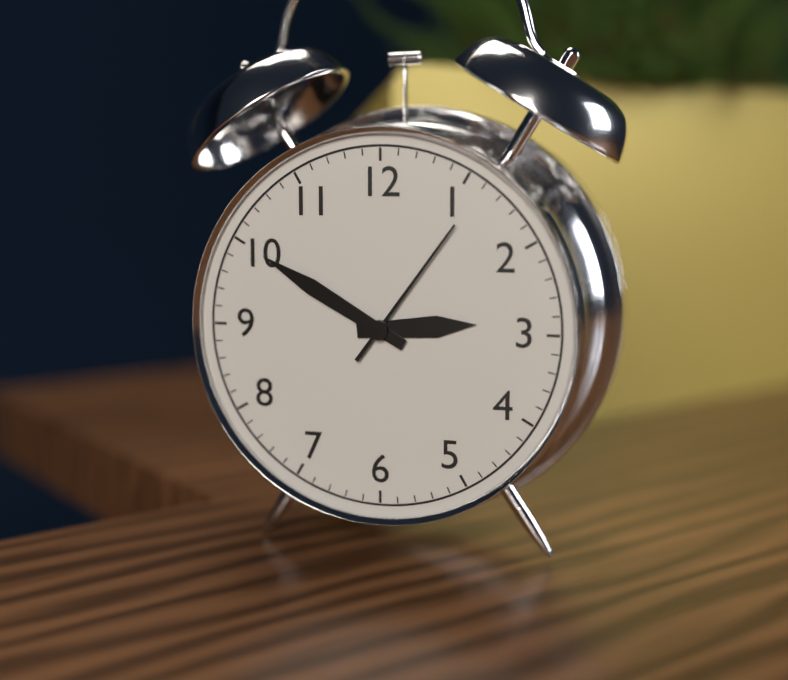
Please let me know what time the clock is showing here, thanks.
2:50:06
